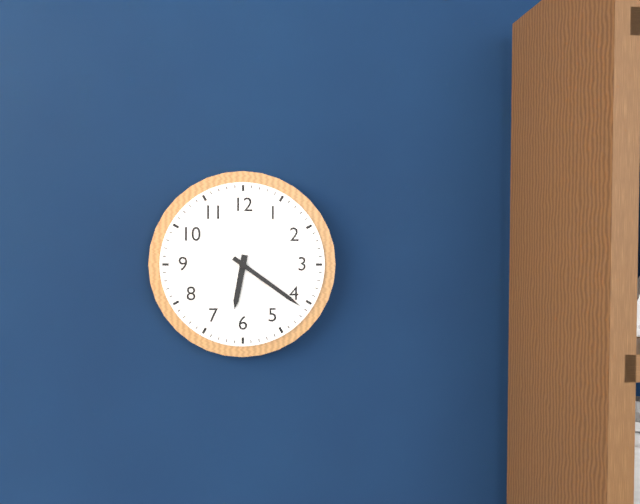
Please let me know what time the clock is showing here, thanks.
6:21
